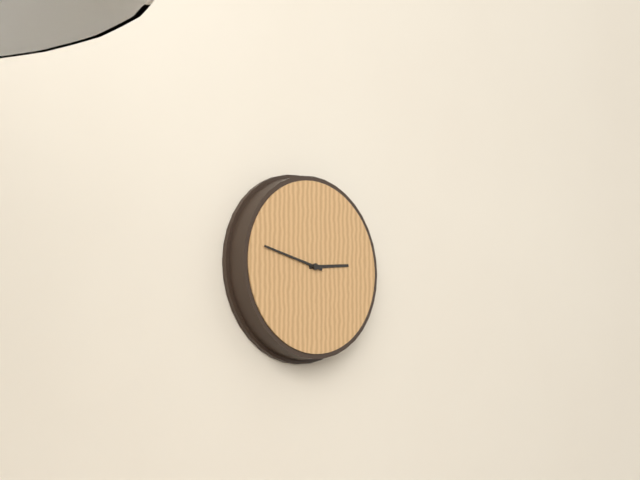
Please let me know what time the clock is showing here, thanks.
2:47
